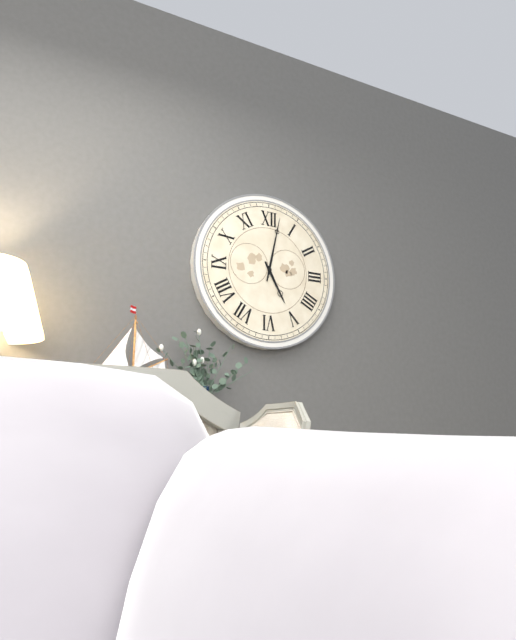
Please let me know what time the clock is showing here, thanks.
5:02
